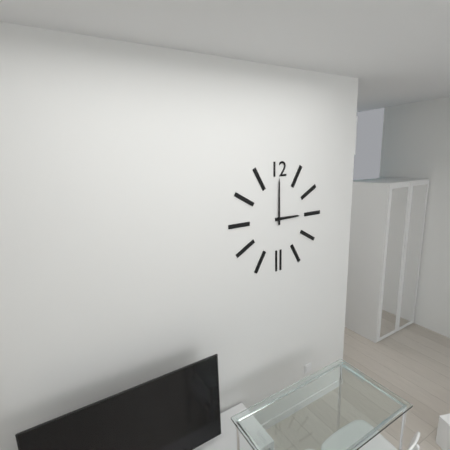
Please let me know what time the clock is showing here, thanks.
3:00
